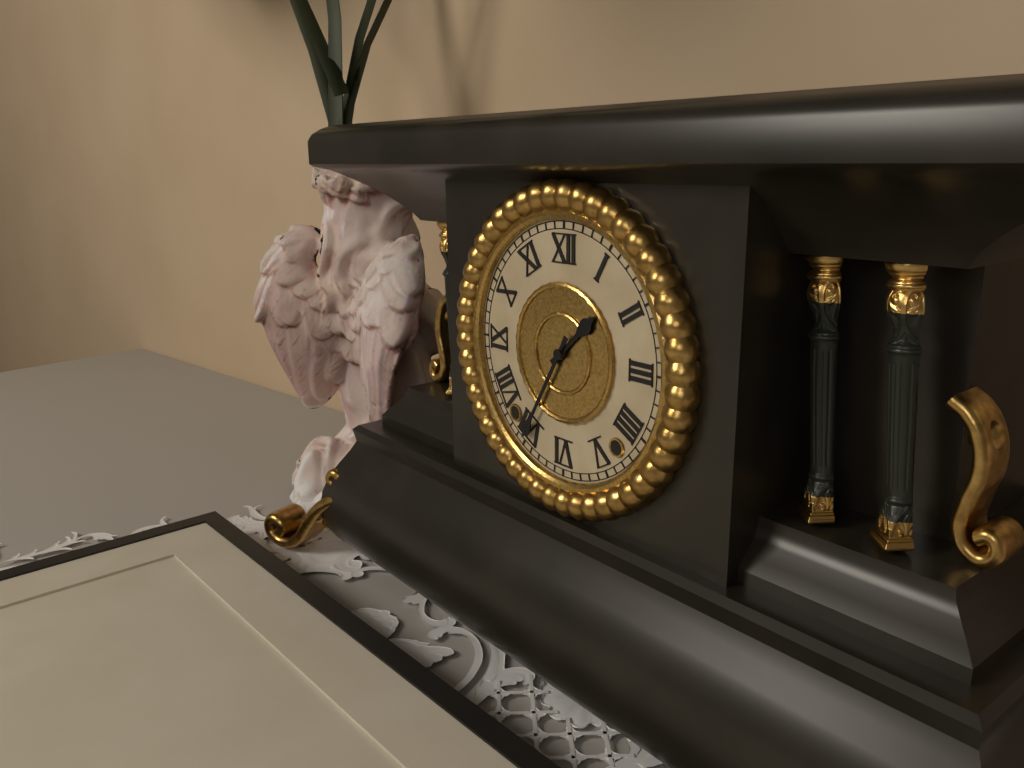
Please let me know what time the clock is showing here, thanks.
1:35
